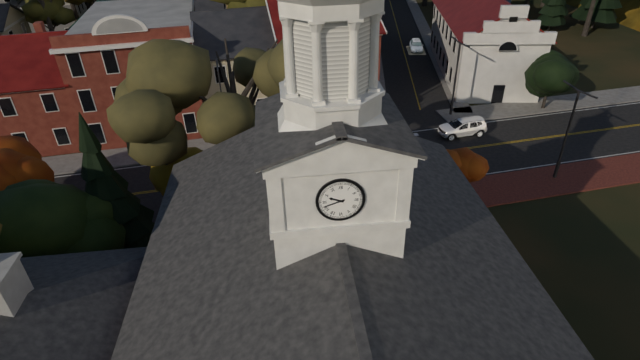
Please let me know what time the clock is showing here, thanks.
9:42
